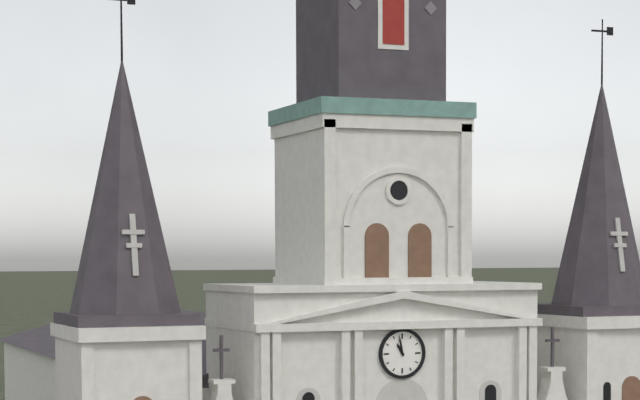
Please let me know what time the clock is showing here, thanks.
10:58
